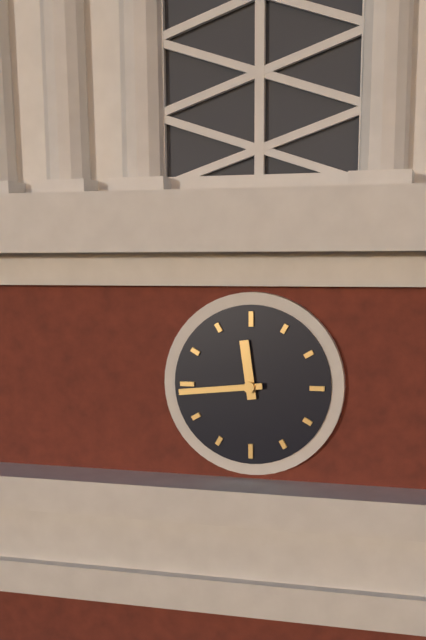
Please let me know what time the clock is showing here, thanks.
11:44
